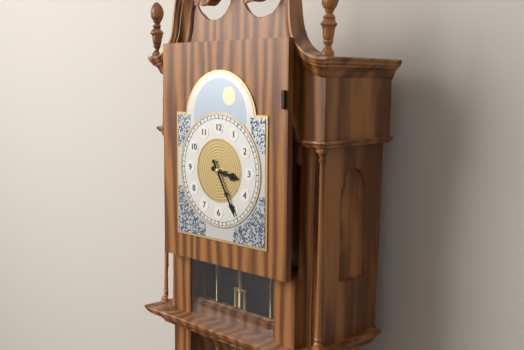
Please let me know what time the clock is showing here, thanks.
3:25
